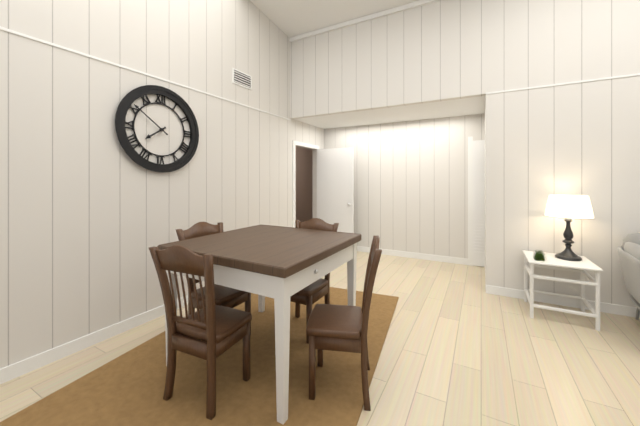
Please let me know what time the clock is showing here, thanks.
7:51
